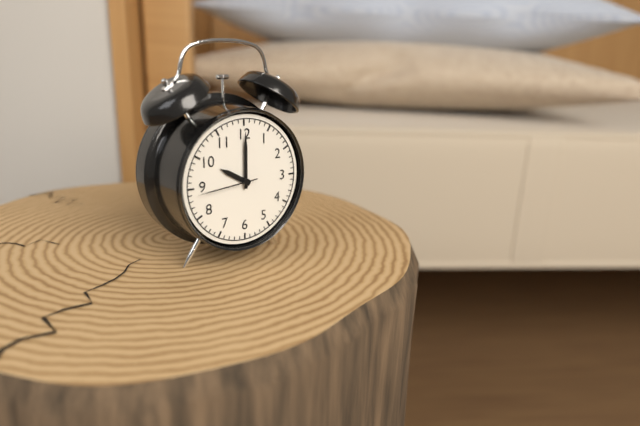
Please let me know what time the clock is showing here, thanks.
10:00:44
